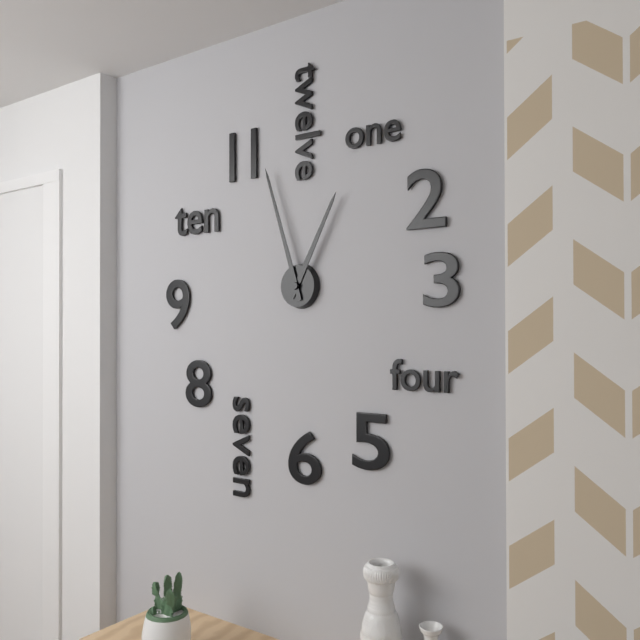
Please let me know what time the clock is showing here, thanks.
12:57
